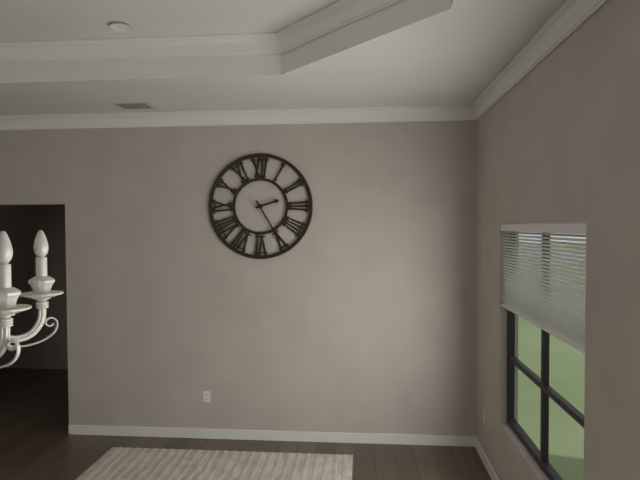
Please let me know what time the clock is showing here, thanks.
2:25
